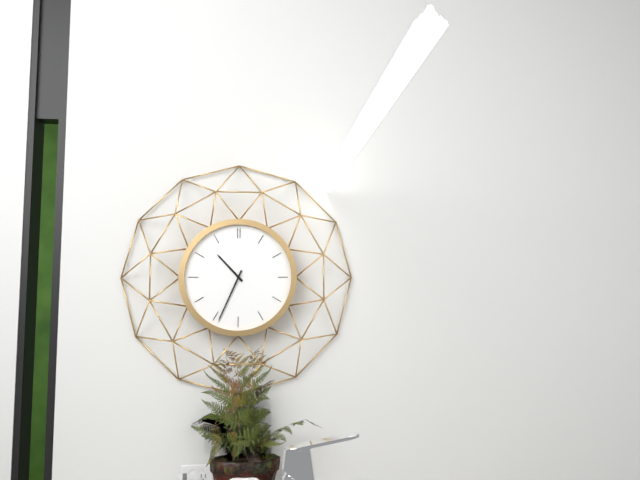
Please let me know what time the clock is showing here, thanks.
10:34
